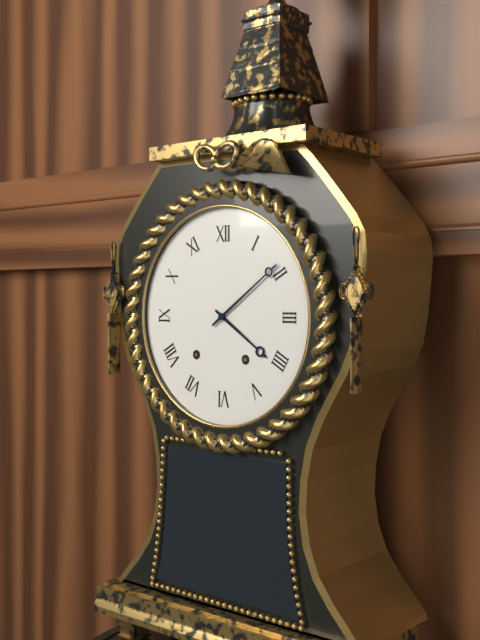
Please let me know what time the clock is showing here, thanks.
4:09
